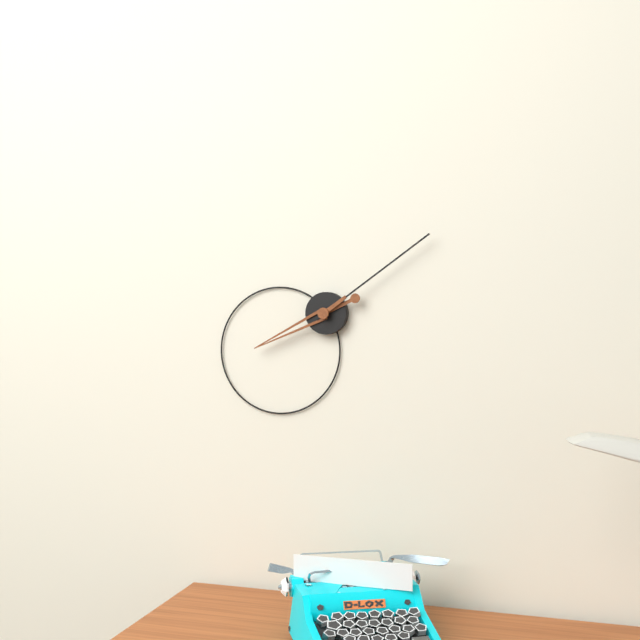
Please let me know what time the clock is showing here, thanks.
8:09
